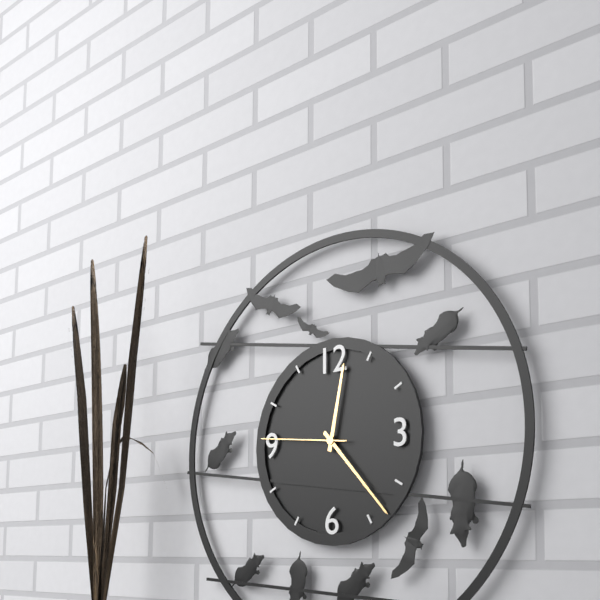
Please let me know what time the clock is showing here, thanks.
12:23:46
